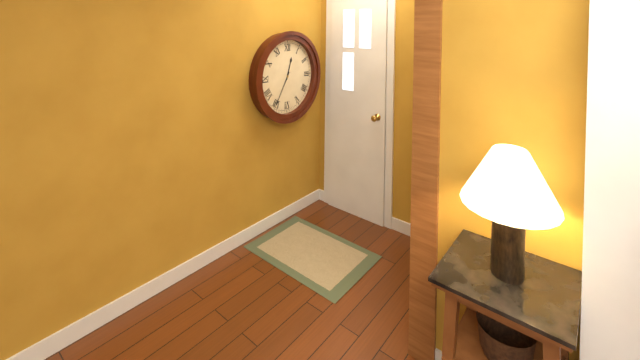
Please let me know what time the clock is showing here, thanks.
12:35
